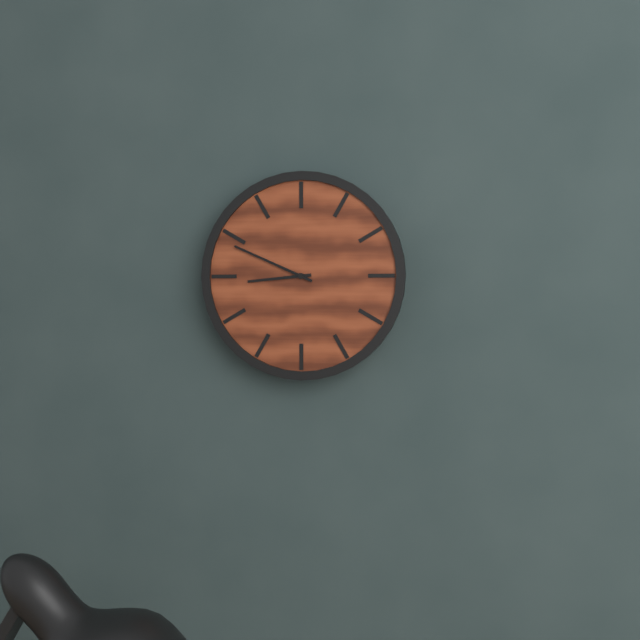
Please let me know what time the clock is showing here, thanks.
8:49
